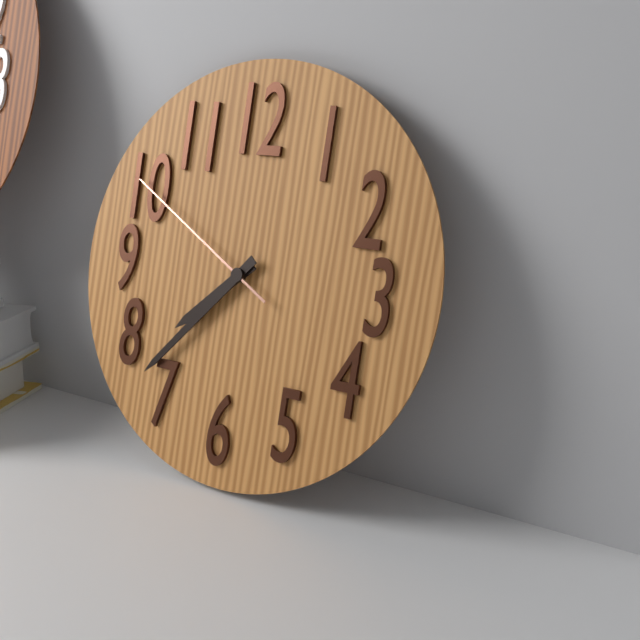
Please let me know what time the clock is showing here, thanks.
7:37:50
